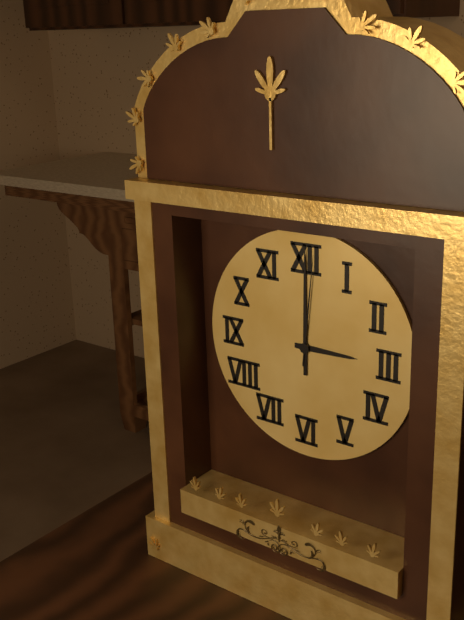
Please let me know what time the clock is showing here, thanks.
3:00:01
